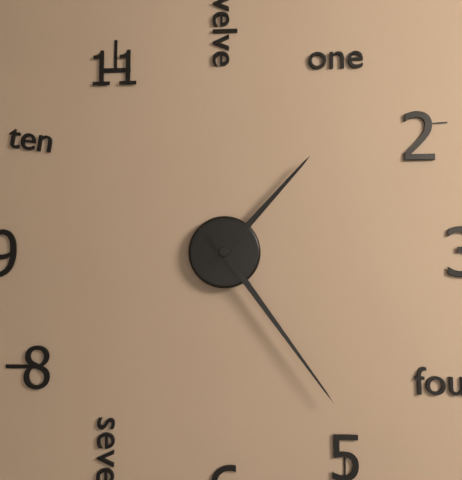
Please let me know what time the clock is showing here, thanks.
1:24
